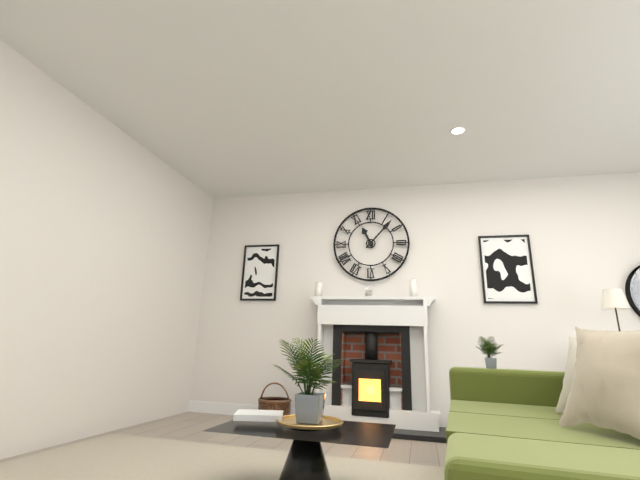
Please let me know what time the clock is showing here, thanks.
11:07
